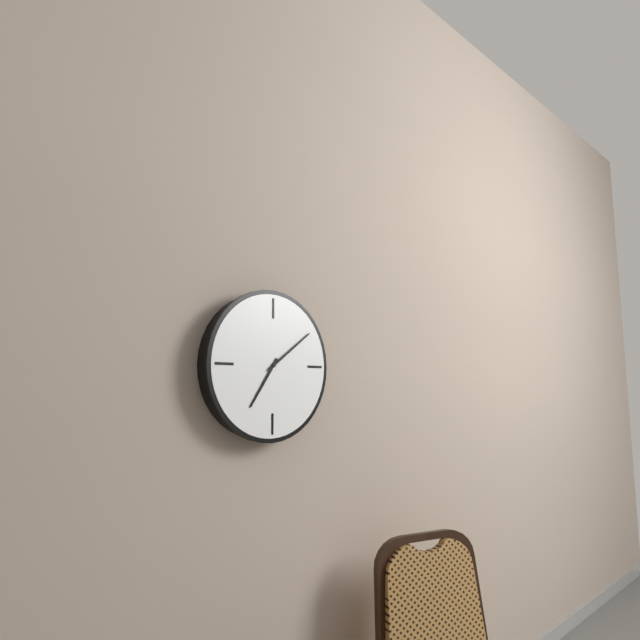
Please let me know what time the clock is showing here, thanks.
7:09
